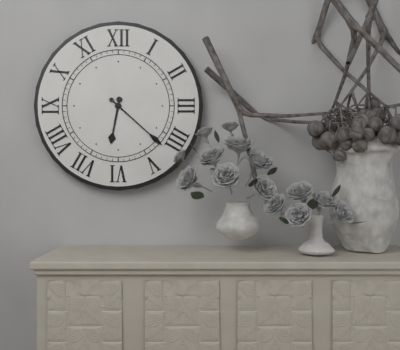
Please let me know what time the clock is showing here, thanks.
6:22
